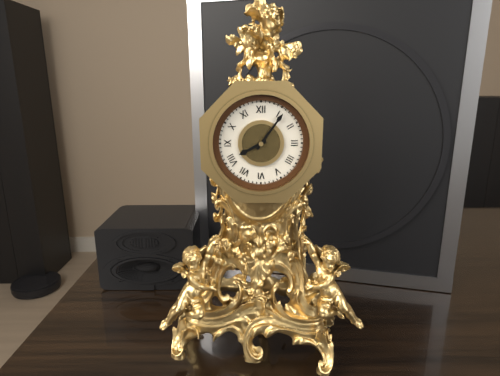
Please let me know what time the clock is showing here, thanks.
8:06
